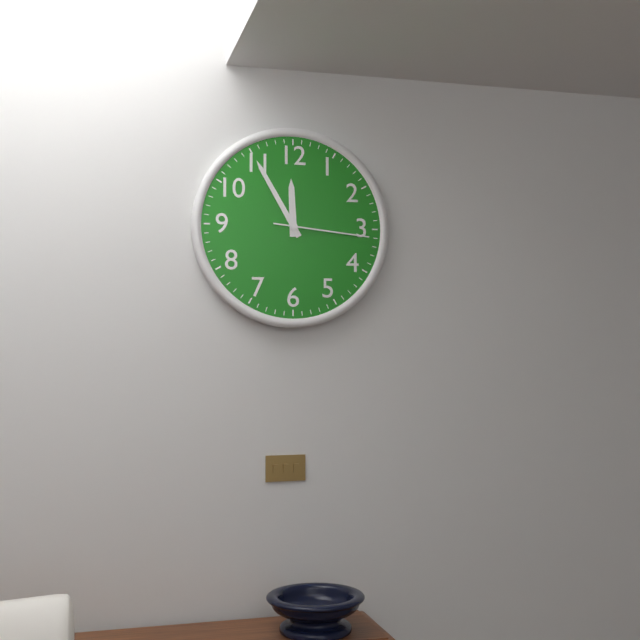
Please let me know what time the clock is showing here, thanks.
11:55:16
